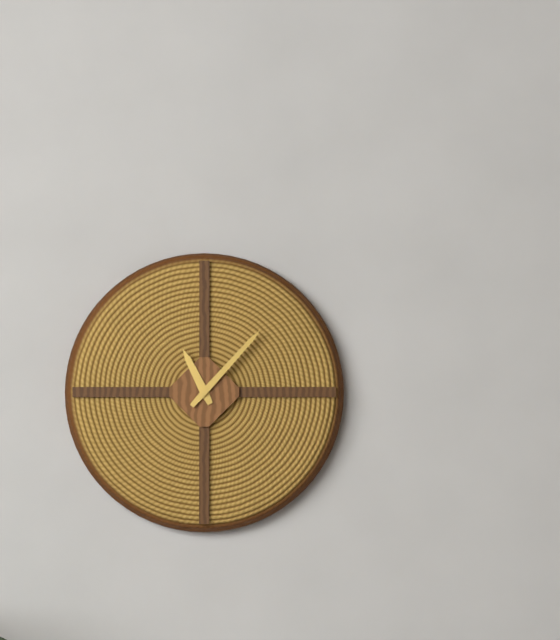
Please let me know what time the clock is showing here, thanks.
11:07
